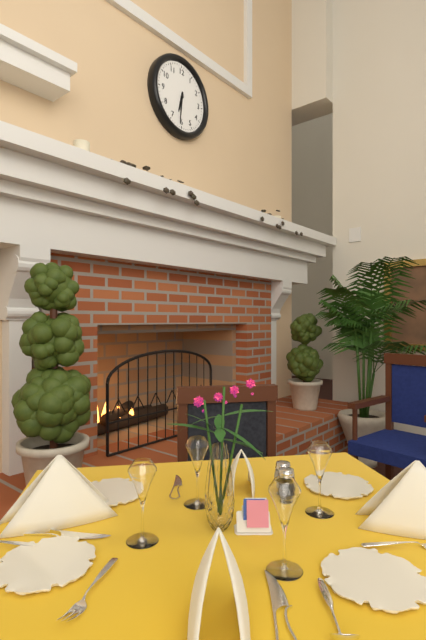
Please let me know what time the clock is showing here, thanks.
6:31
